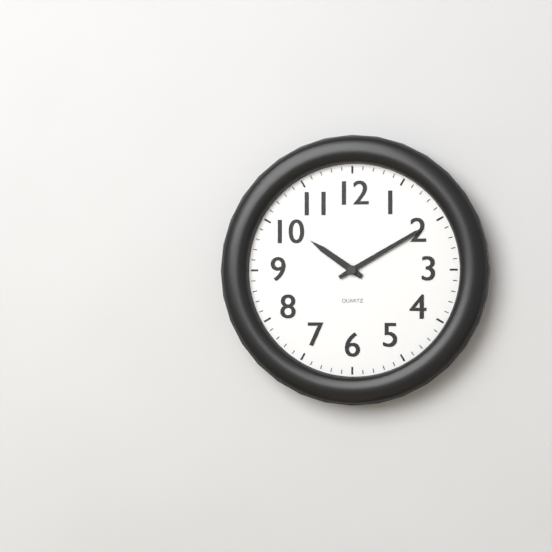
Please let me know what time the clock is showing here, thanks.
10:10
